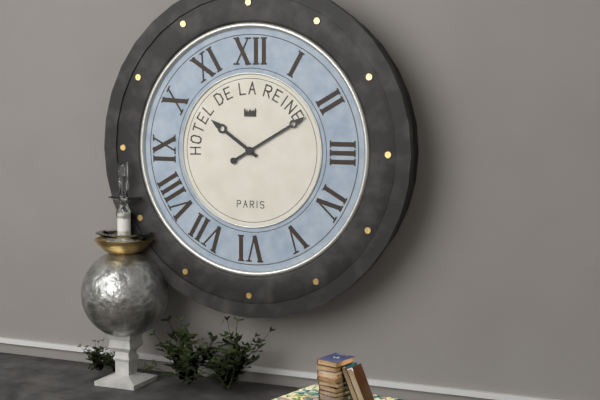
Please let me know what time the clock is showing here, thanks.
10:10
